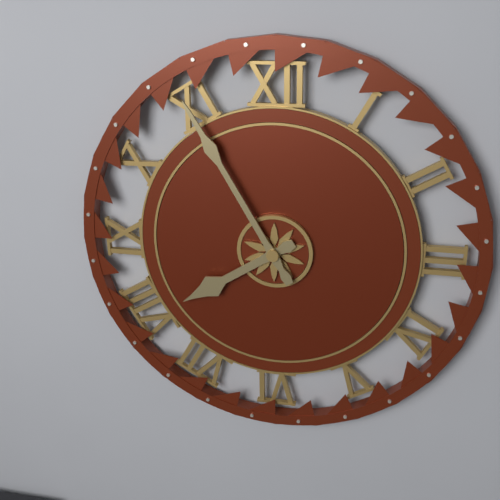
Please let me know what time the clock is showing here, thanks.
7:55
